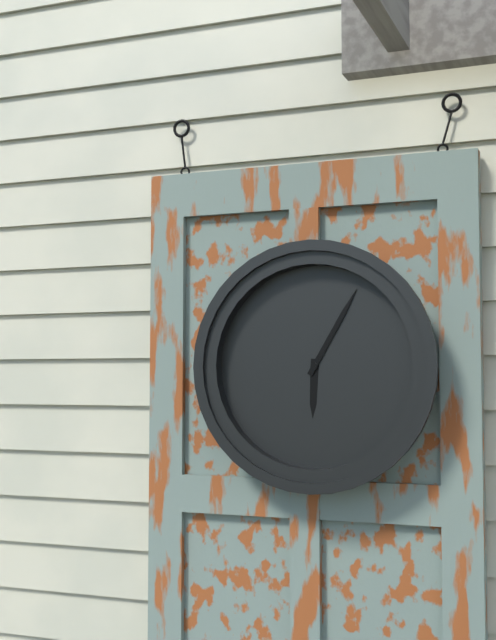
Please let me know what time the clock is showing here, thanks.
6:05
